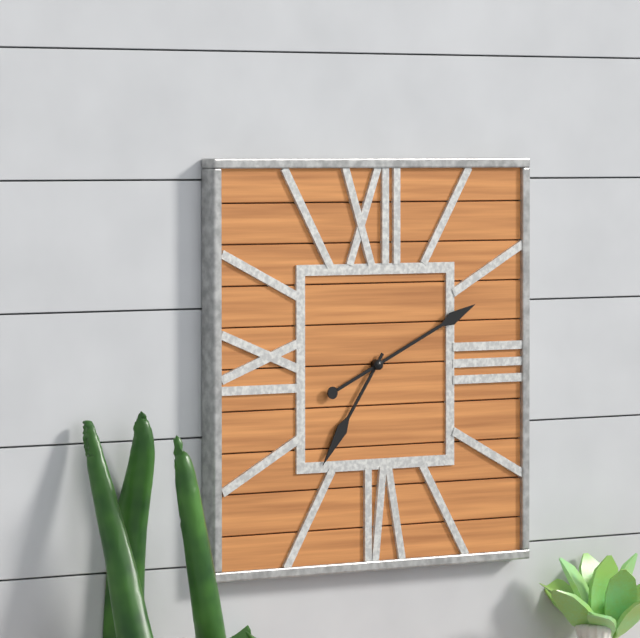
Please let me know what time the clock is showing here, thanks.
7:11
